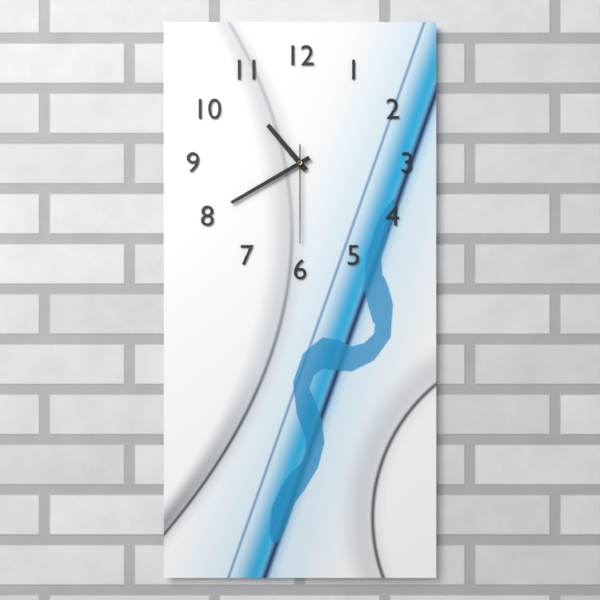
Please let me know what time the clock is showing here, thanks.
10:40:30
